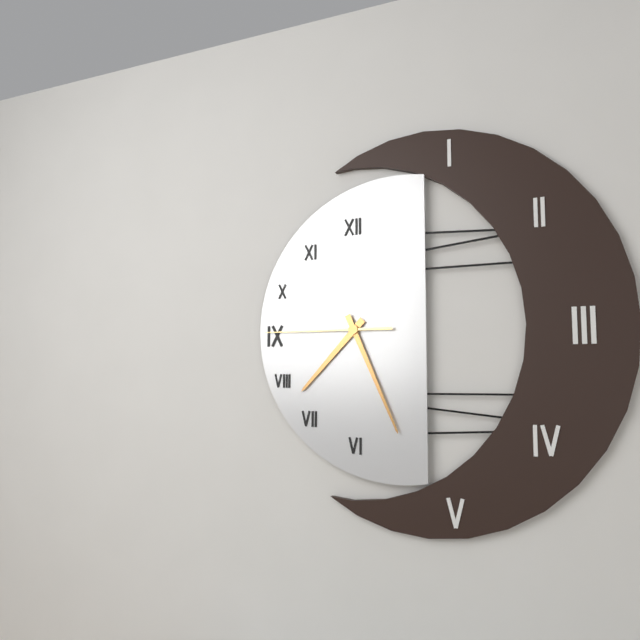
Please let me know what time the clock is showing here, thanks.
7:26:45
